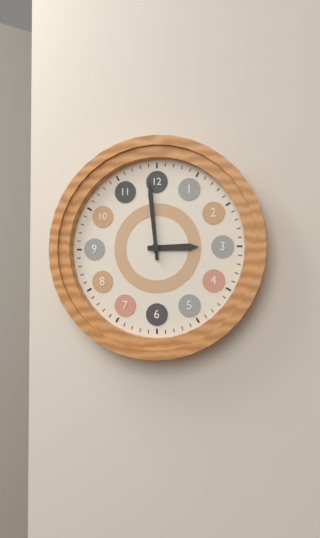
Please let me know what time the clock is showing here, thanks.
2:59
